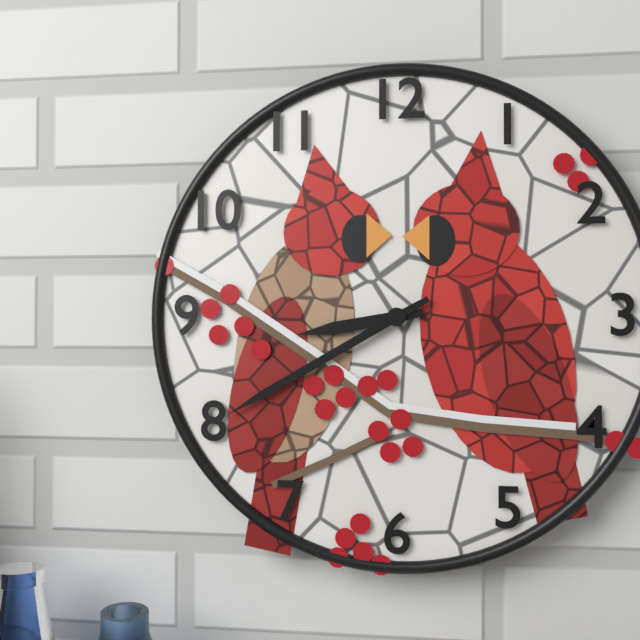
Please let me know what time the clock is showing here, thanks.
8:40
